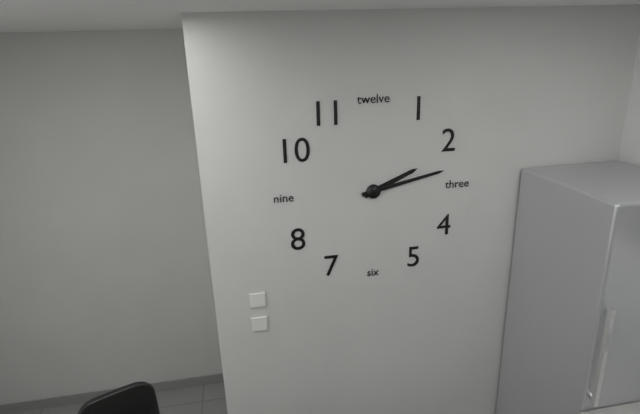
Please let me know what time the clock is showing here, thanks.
2:13
